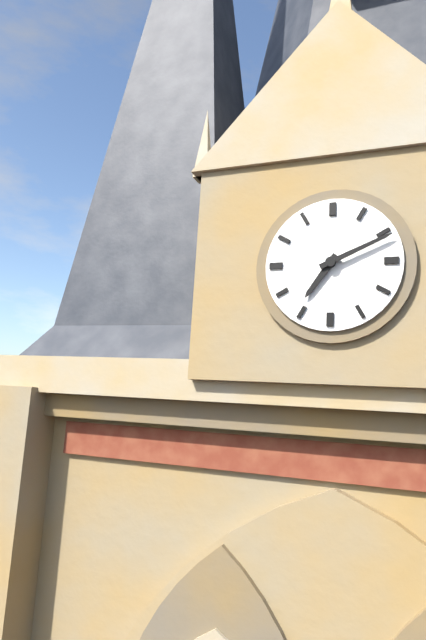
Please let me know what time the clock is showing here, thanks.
7:11
